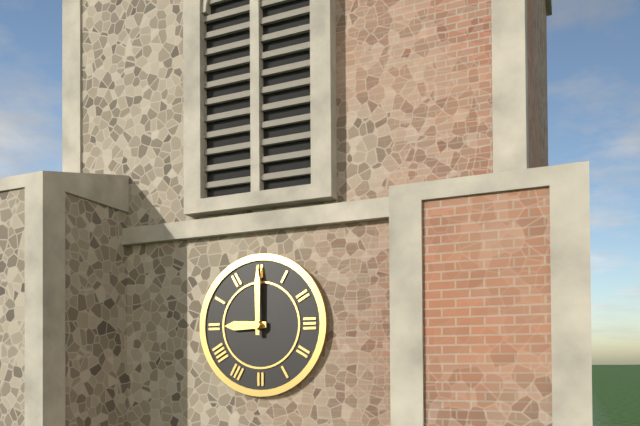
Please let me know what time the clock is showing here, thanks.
9:00
